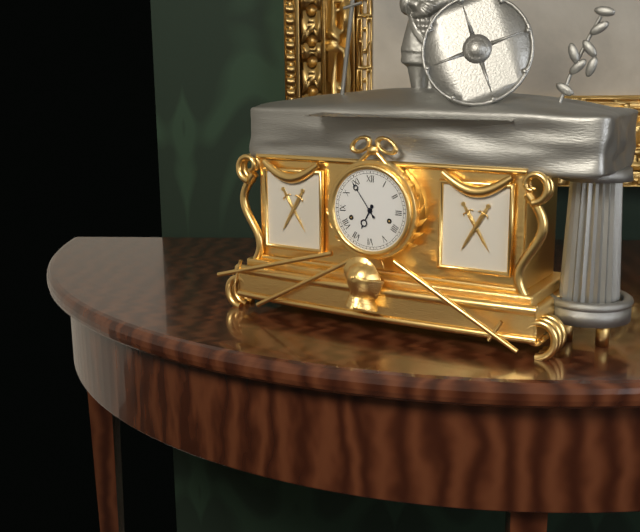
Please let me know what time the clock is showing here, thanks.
6:54
